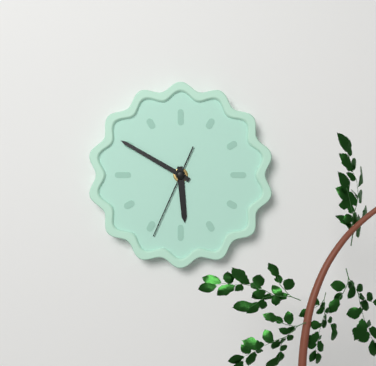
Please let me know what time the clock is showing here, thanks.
5:50:34
